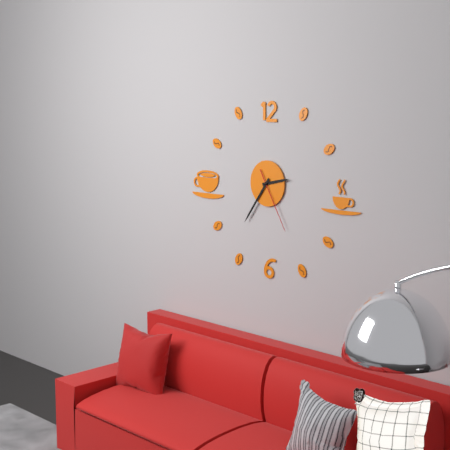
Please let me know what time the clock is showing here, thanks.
2:36:25
